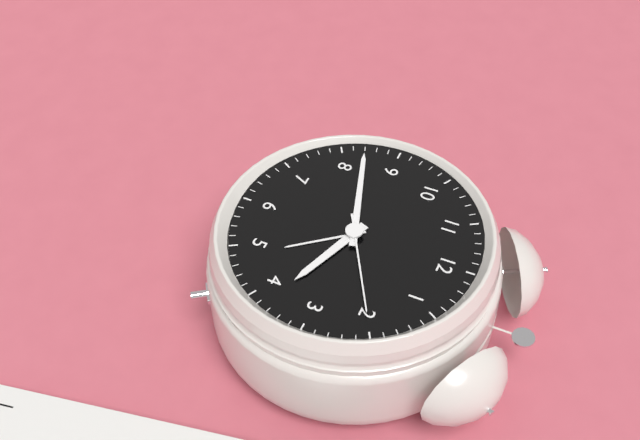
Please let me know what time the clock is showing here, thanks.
3:42:10
